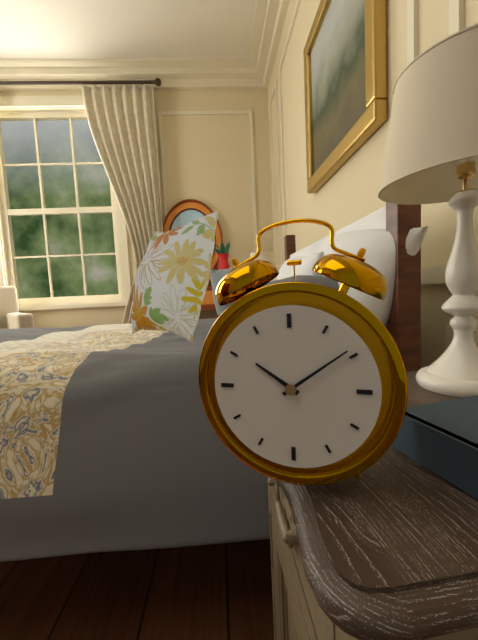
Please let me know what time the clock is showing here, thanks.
10:09
